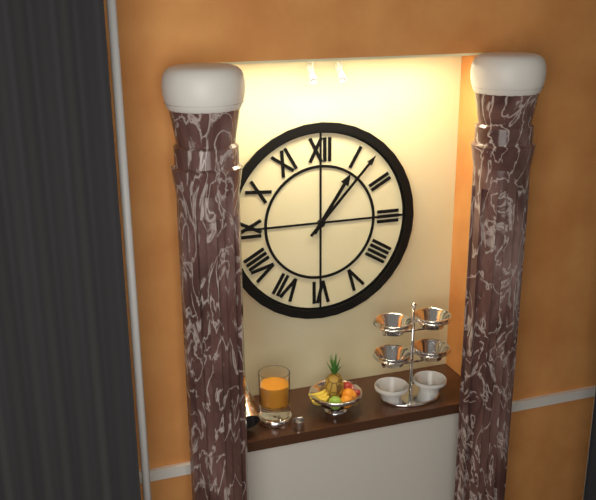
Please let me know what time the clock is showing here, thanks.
1:07
